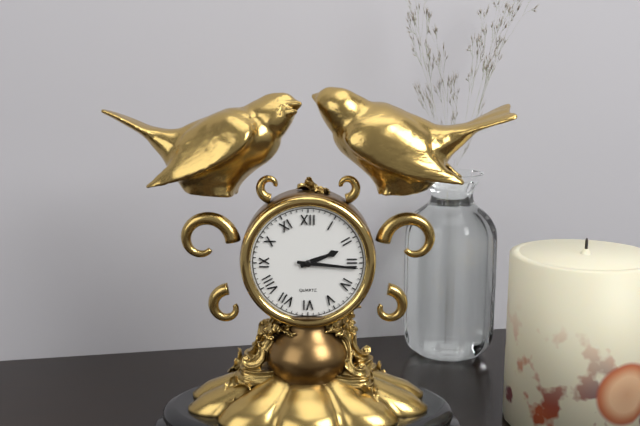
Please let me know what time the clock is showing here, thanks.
2:16
